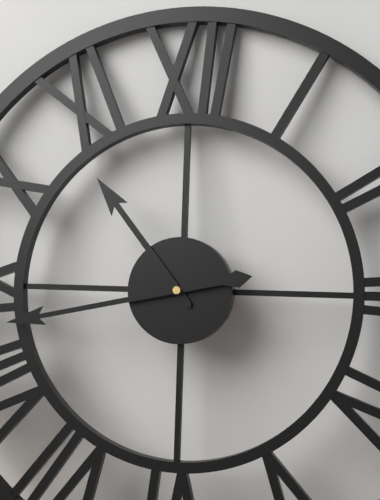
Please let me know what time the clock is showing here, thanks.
10:43
